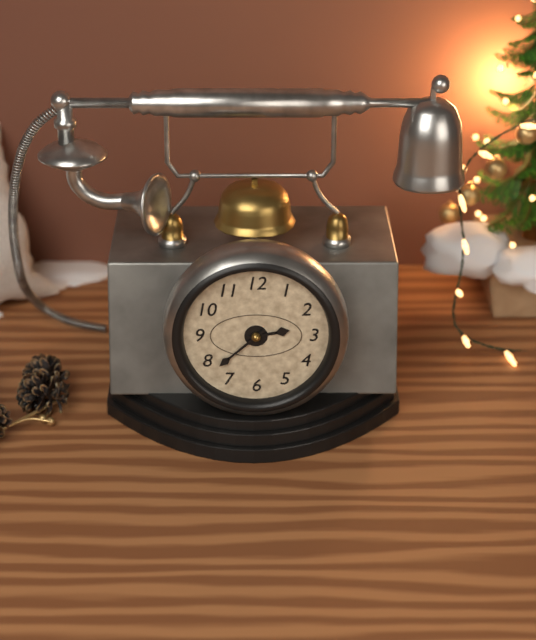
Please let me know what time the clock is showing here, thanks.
2:38
